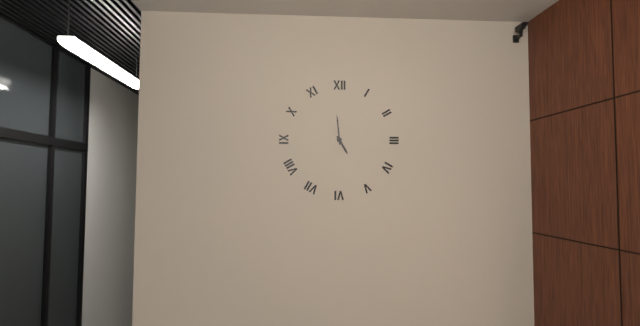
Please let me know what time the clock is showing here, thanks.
4:59
